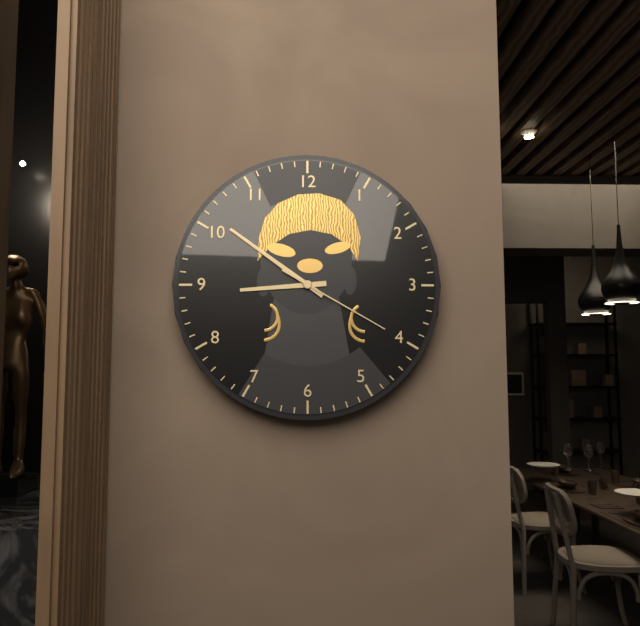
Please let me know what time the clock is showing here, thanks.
8:51:20
